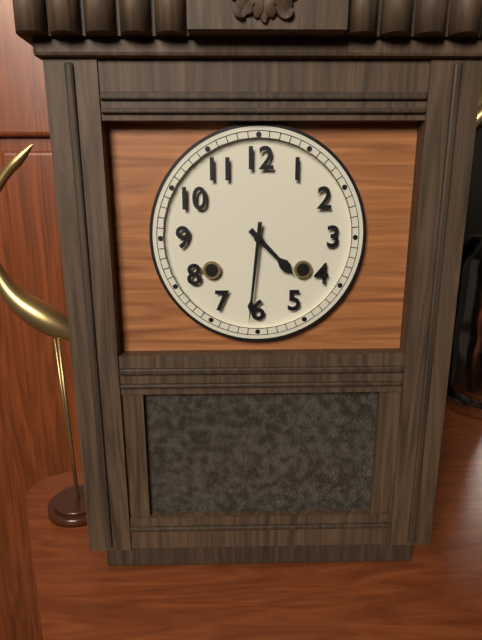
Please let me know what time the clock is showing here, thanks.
4:31
